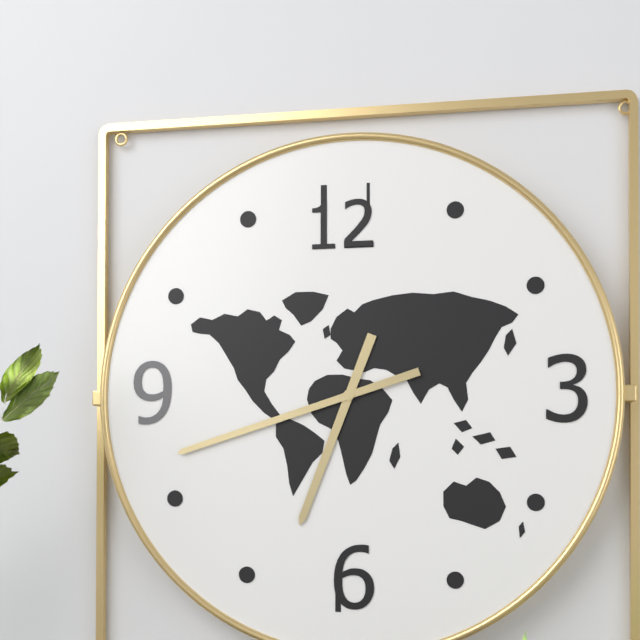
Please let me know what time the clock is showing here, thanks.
6:42
